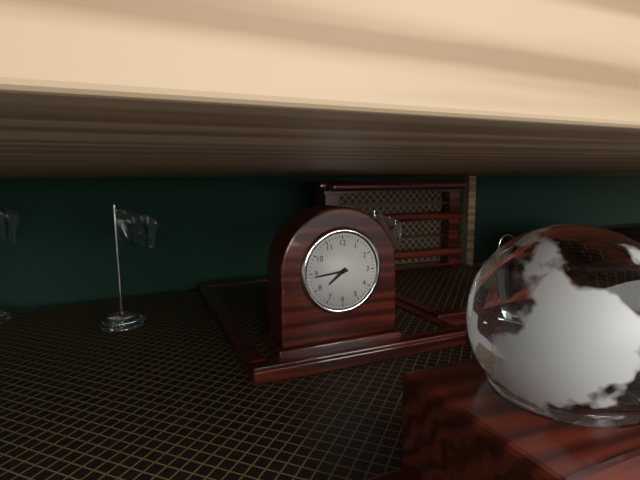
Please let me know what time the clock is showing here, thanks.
7:44
